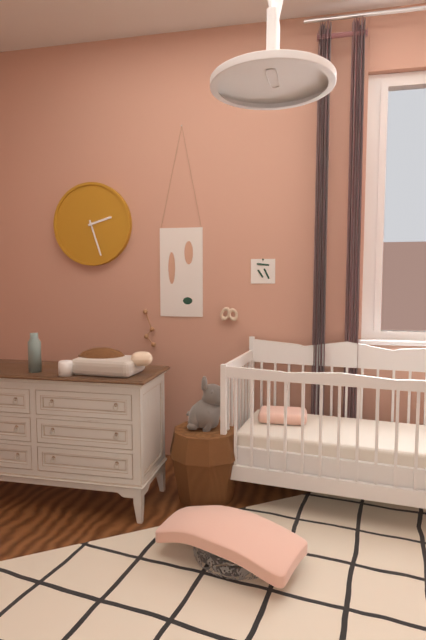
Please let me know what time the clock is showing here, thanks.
2:27
